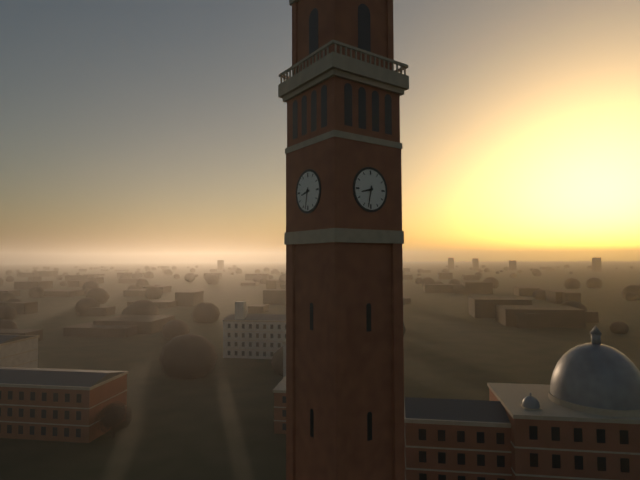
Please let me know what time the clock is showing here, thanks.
8:32
